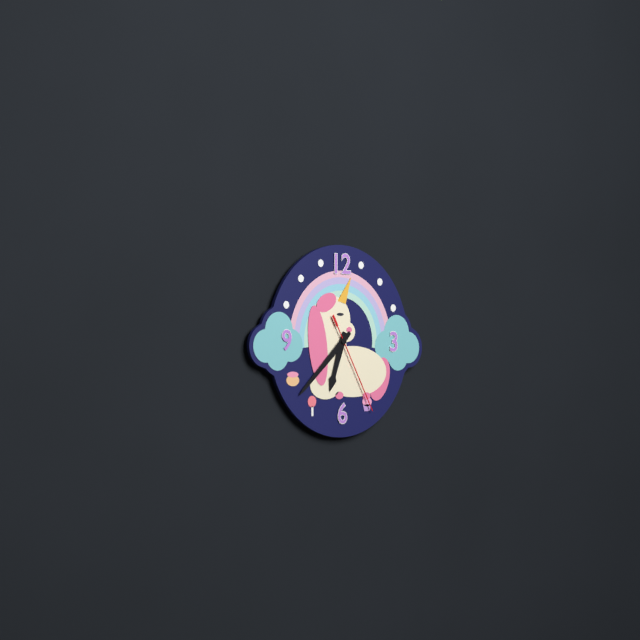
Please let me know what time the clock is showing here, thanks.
6:38:25
